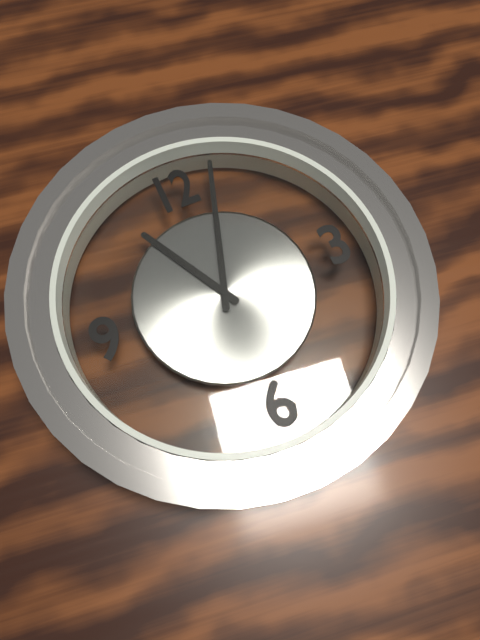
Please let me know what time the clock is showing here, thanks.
11:03
